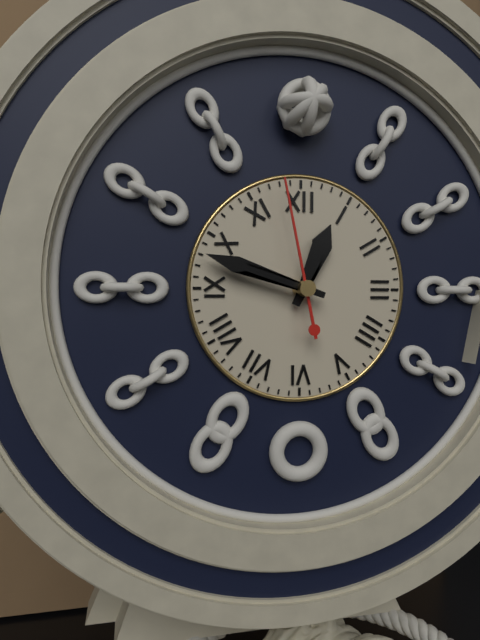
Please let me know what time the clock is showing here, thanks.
12:48:58
